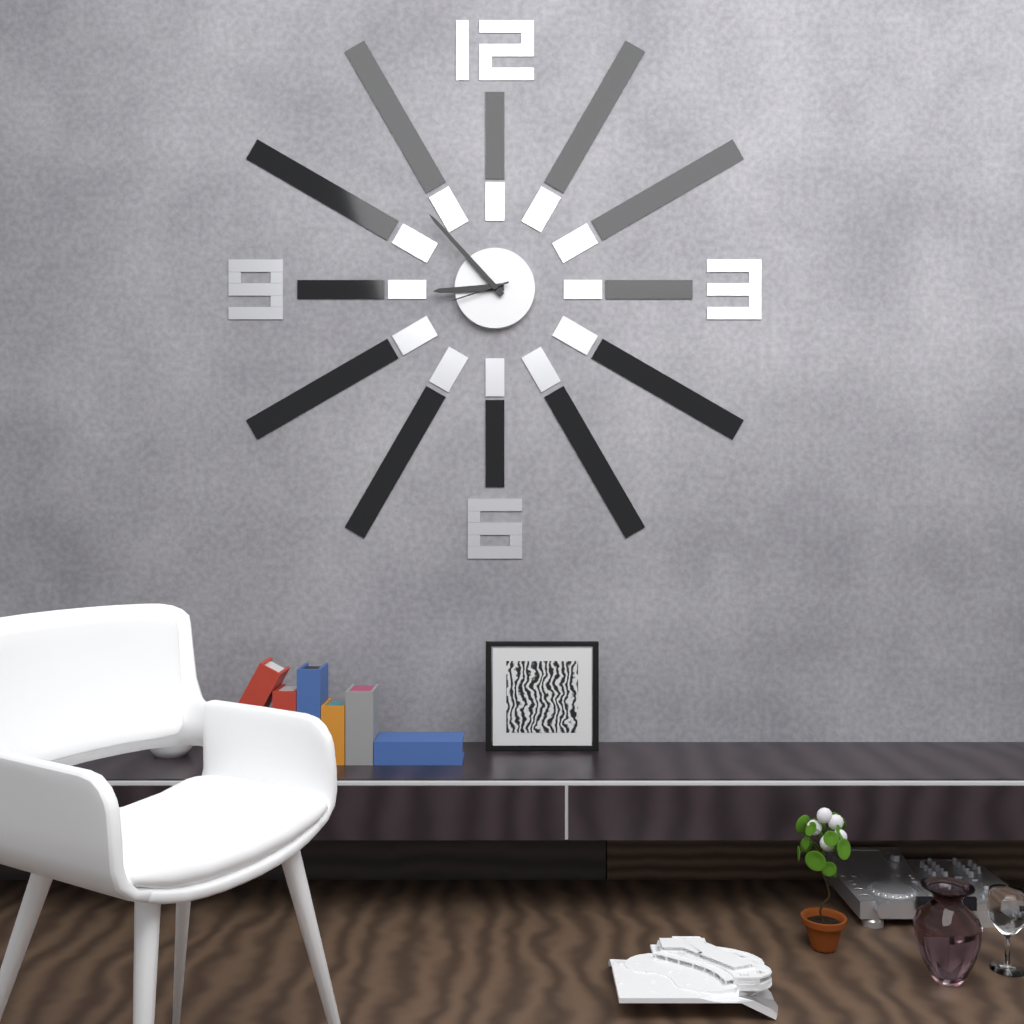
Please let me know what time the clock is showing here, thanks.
8:53:42
